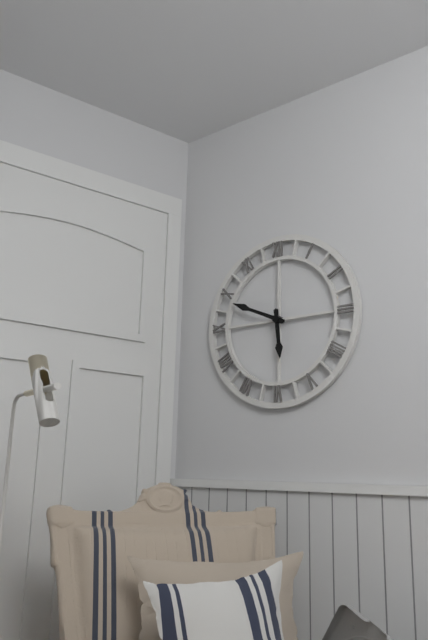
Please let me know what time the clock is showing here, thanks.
5:49
